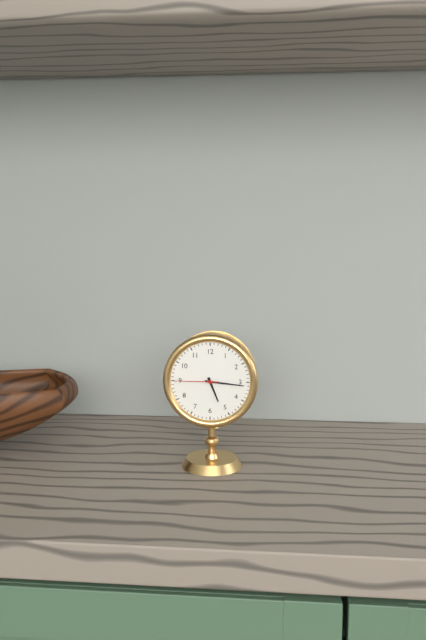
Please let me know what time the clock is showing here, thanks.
5:16
